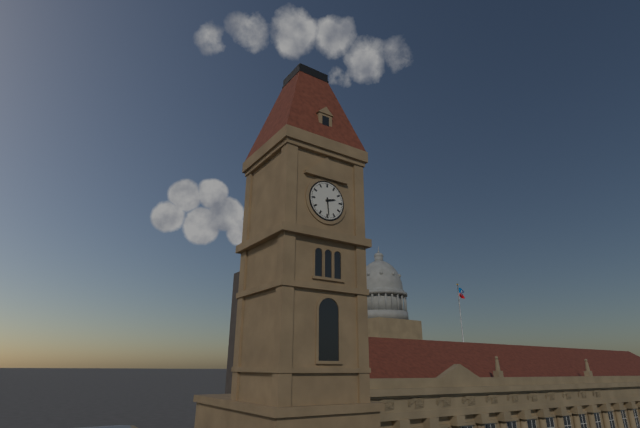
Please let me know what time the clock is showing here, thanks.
2:29
